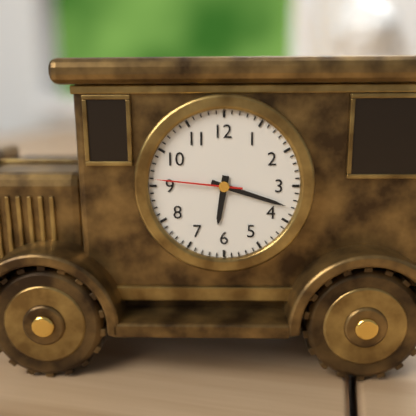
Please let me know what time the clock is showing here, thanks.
6:18:46
